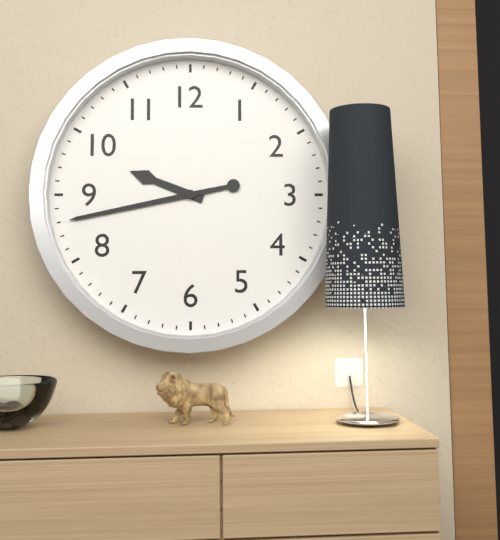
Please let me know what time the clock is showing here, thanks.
9:43
